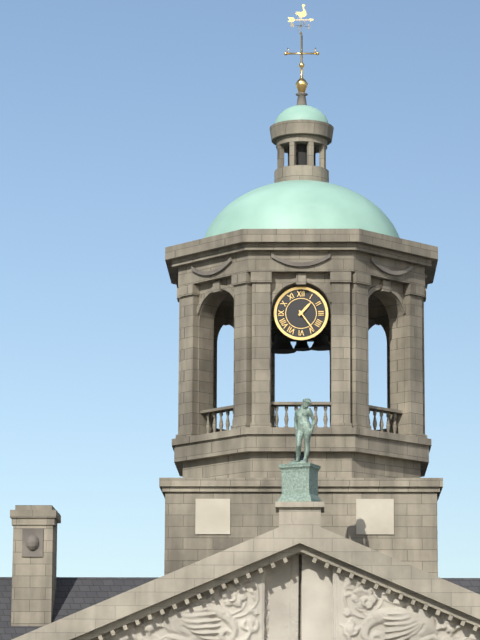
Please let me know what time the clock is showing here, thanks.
1:24
